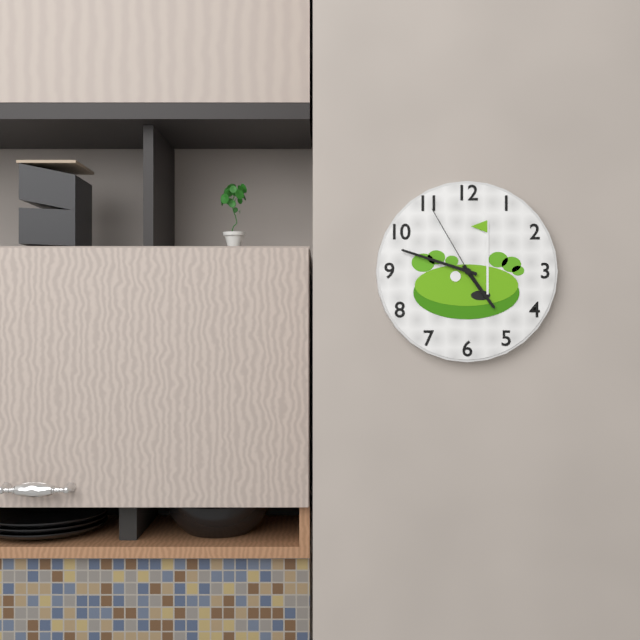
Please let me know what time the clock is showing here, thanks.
4:48:55
